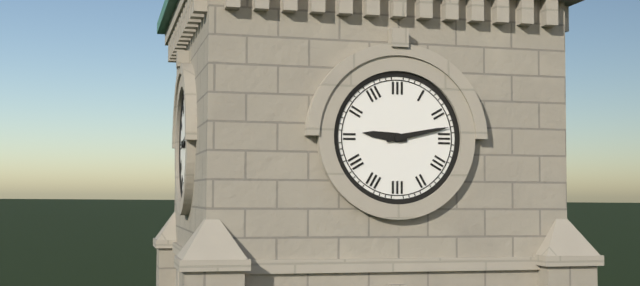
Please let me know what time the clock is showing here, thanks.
9:13
